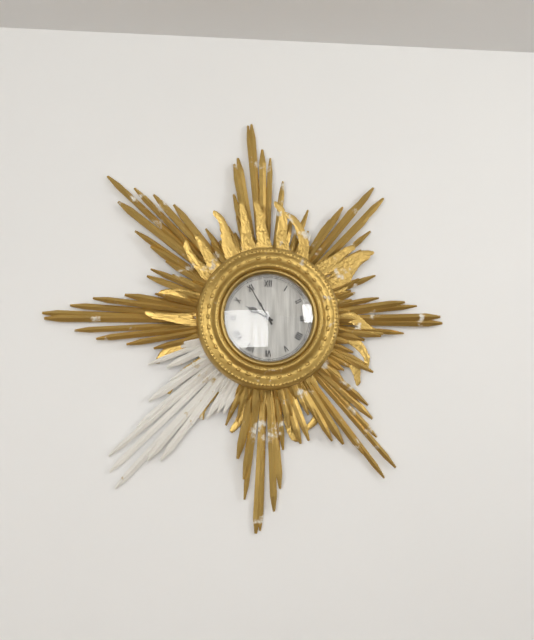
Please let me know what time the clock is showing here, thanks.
9:55
